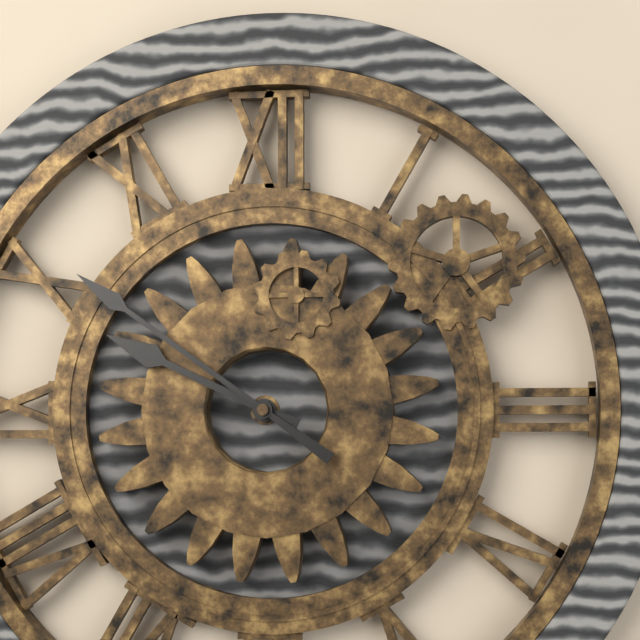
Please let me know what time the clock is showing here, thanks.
9:51
